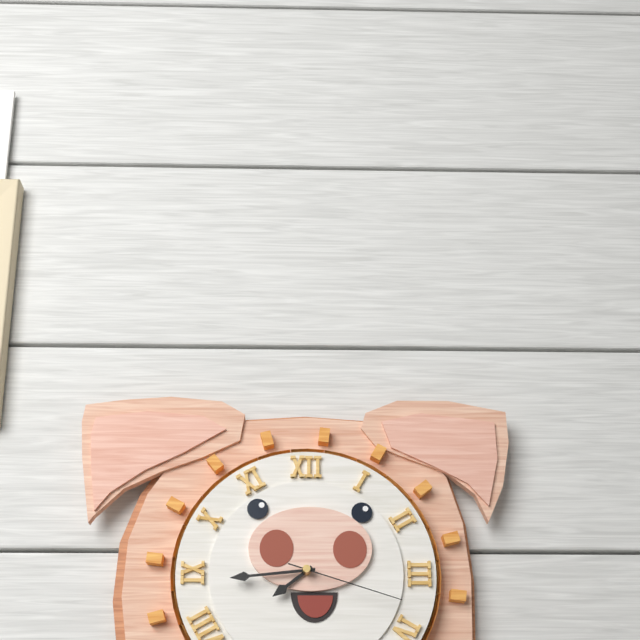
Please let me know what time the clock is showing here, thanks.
7:44:18
